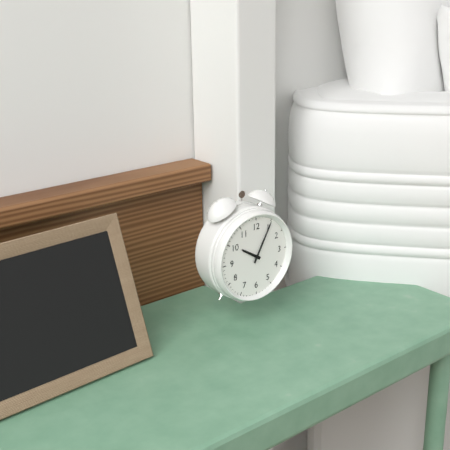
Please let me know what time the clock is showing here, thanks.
10:05
